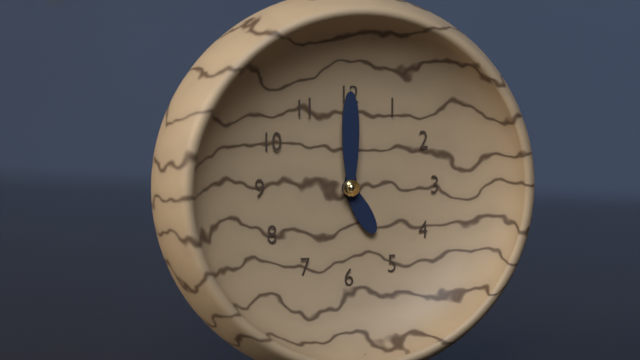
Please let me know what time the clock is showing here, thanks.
5:00
